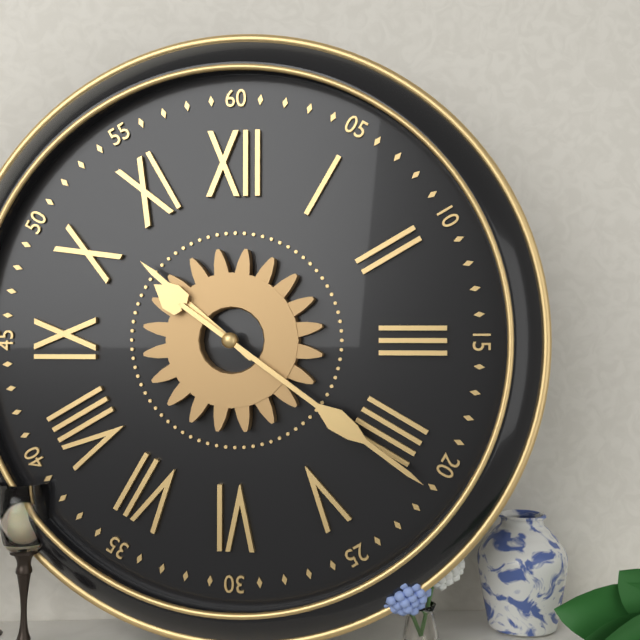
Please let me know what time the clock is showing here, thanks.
10:21
